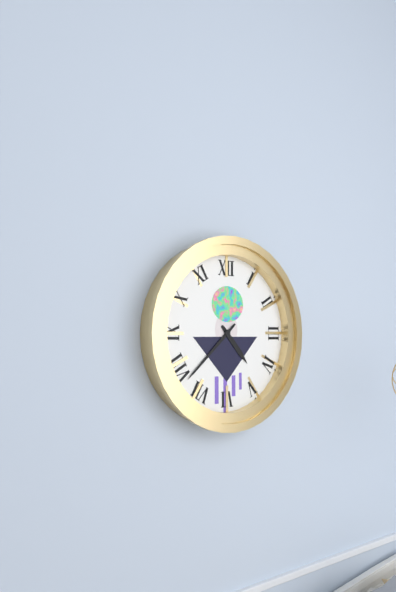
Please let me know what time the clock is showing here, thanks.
4:38
